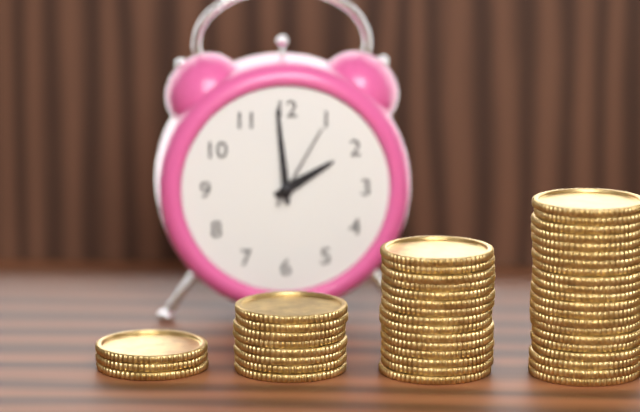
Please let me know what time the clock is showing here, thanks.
1:59:05
